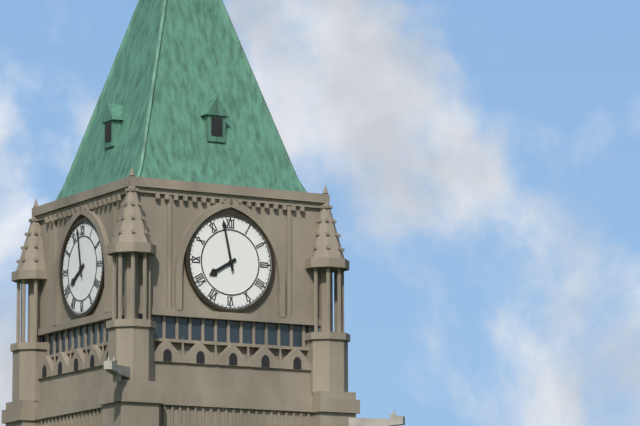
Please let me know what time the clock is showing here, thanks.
7:58
